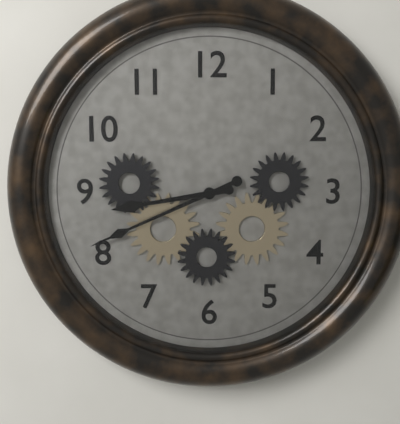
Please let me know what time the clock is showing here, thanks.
8:41
